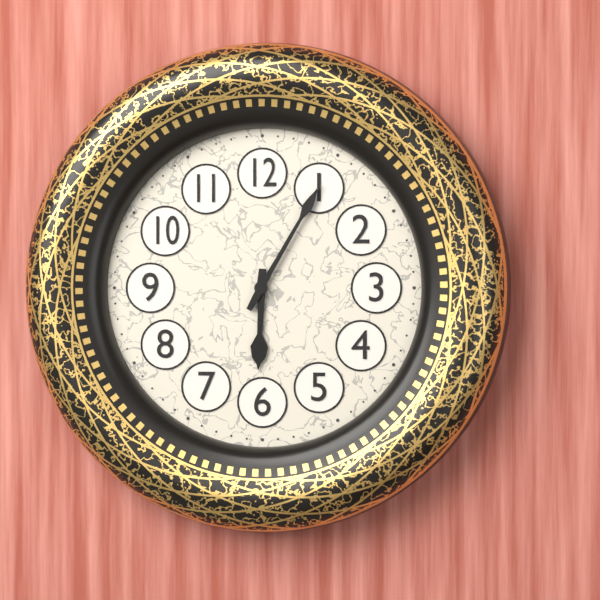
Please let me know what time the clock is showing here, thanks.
6:05
